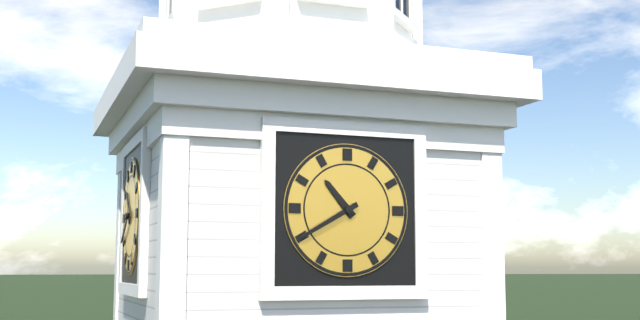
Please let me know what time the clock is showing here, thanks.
10:40
